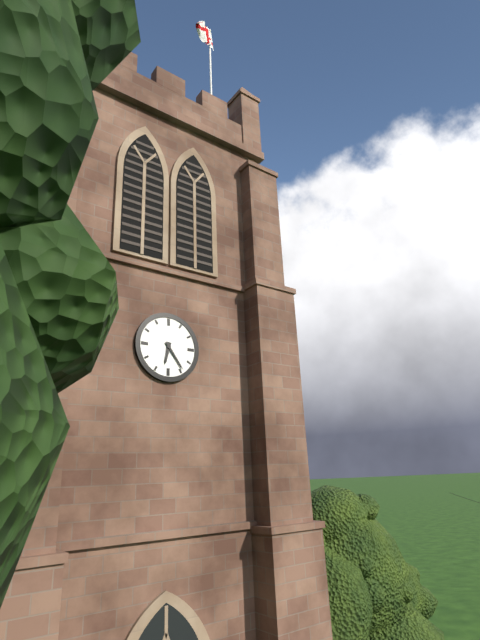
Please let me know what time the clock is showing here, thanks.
6:24
